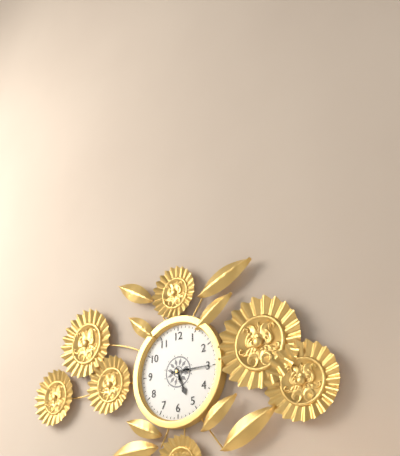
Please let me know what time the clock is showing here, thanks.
5:15
